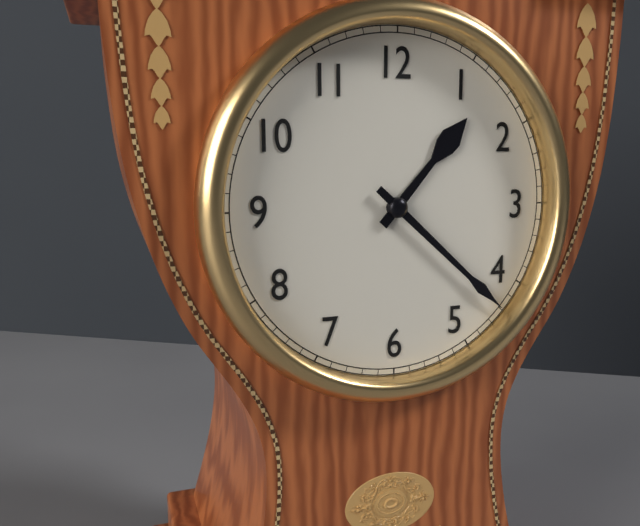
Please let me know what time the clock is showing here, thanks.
1:22
